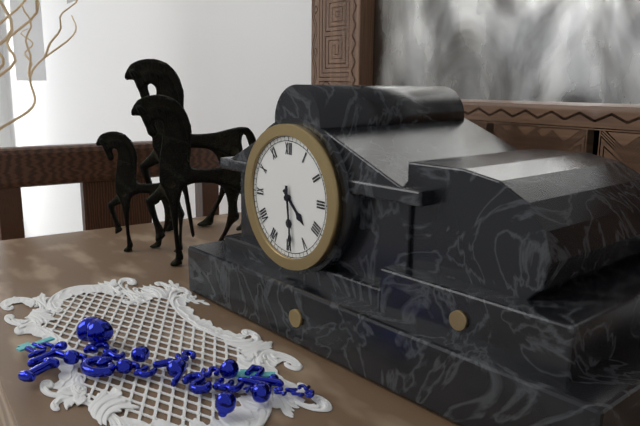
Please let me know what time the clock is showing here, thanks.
4:29
